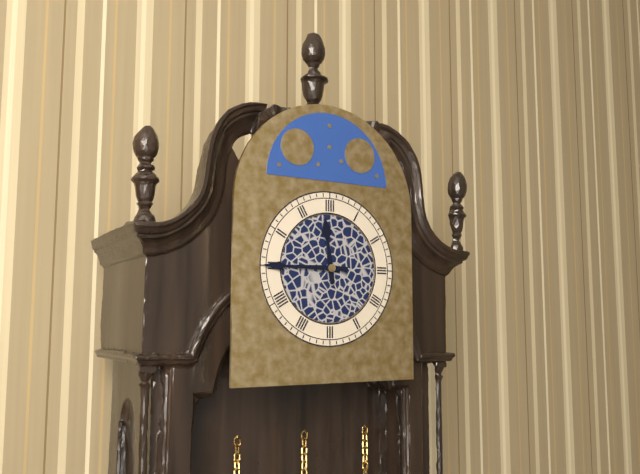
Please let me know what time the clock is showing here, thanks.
11:45
